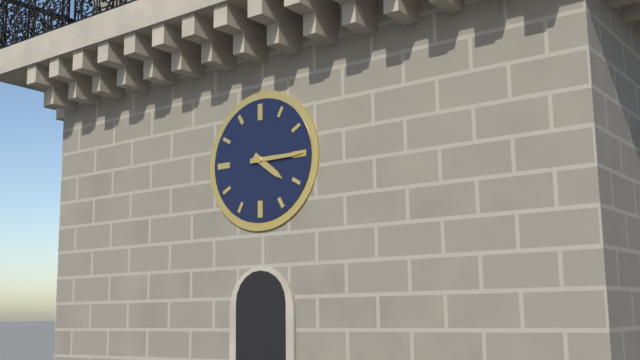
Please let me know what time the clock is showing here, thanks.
4:15
